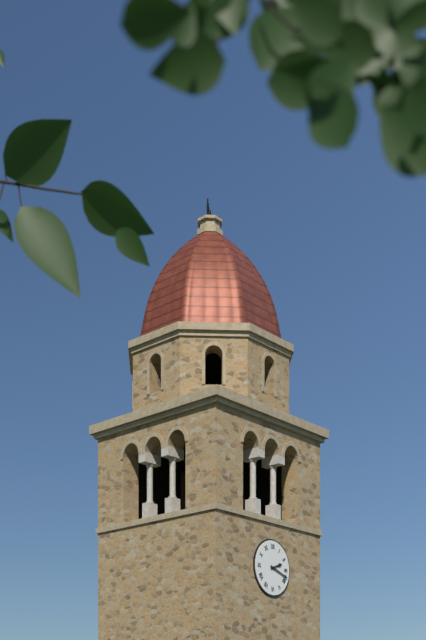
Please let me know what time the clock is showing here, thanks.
2:18
